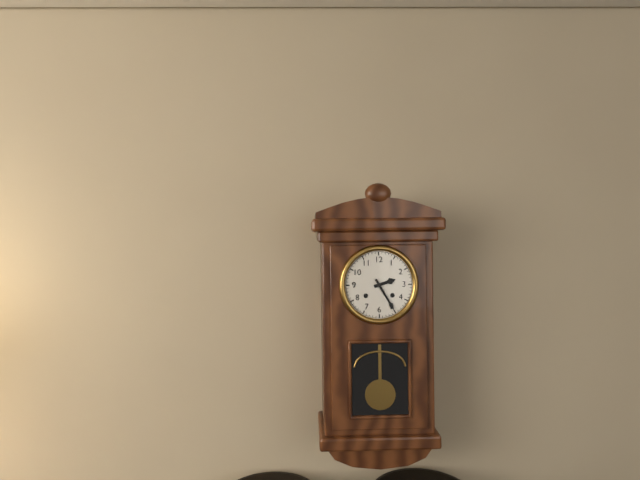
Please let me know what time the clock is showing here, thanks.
2:25
